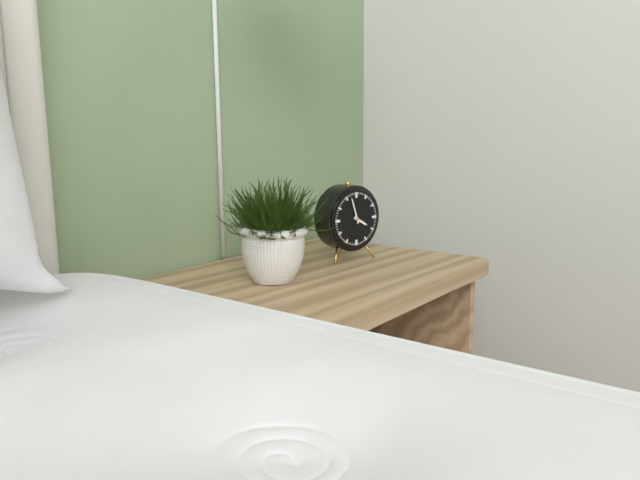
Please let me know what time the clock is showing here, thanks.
3:57
